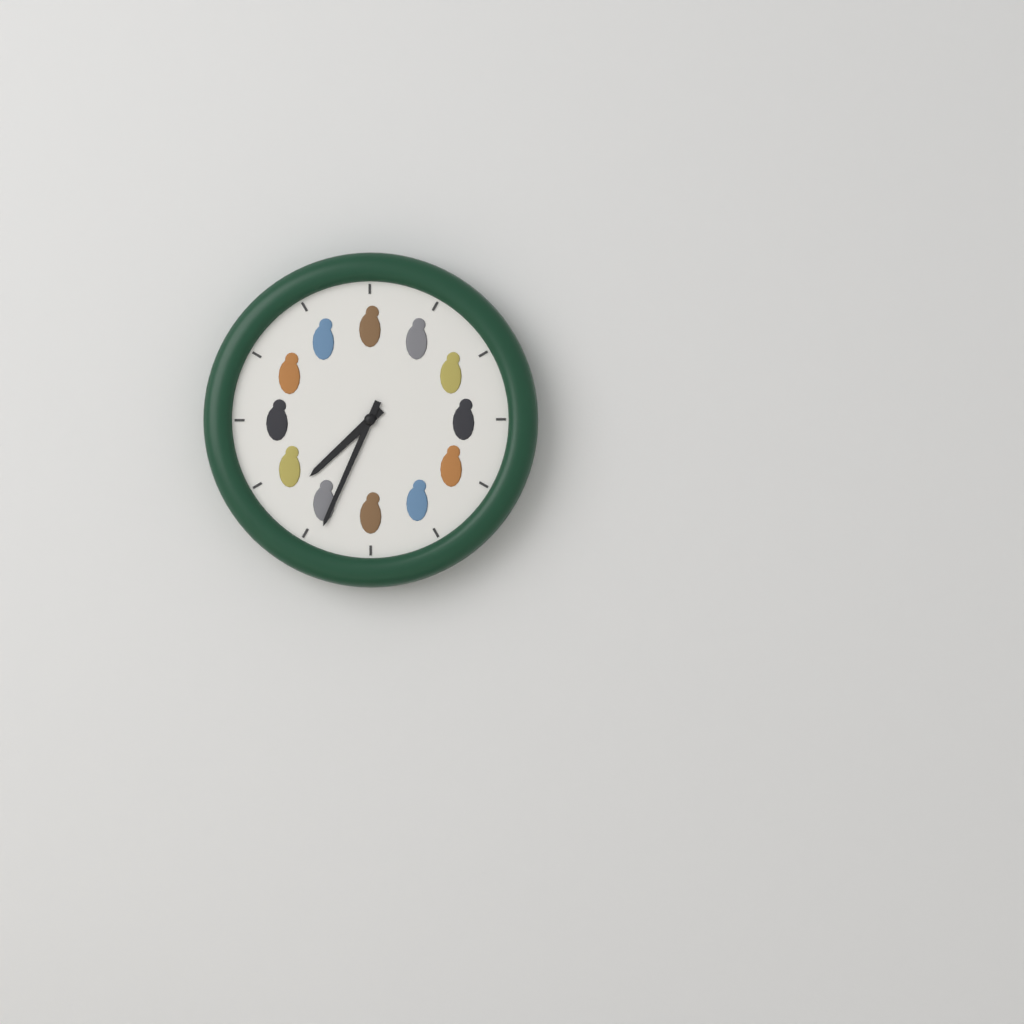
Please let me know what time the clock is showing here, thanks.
7:34
